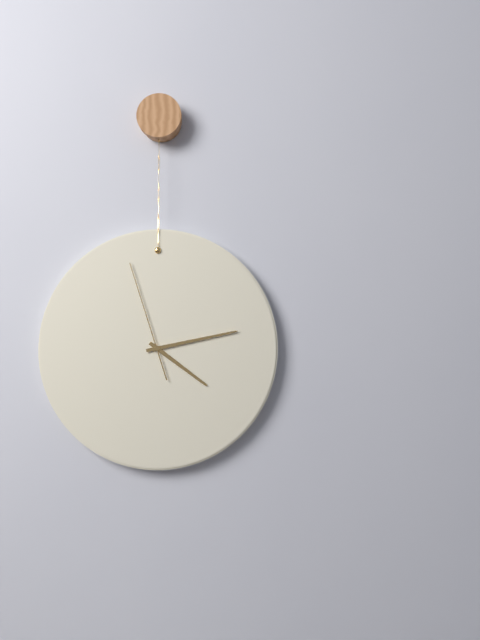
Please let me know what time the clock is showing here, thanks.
4:13:57
